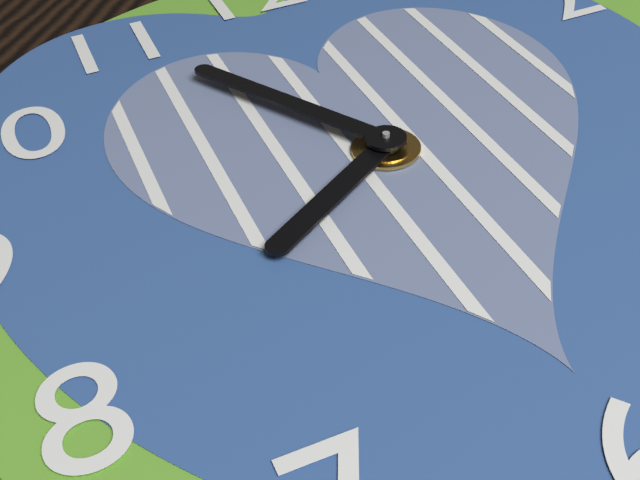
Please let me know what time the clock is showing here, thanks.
7:55
